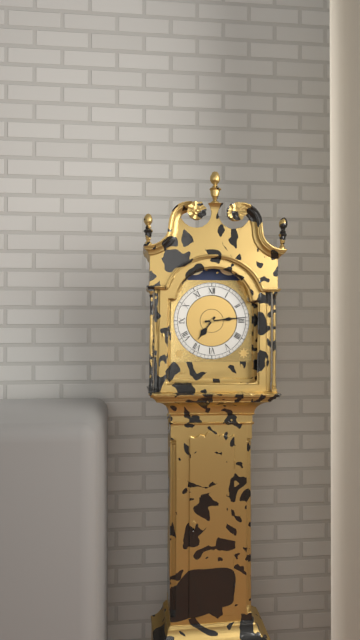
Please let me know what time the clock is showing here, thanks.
7:14
